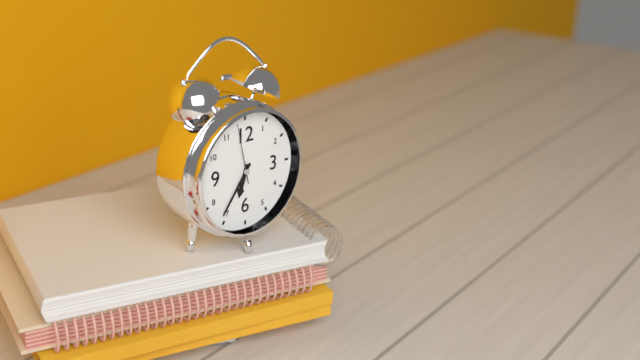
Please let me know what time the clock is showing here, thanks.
6:36:58
